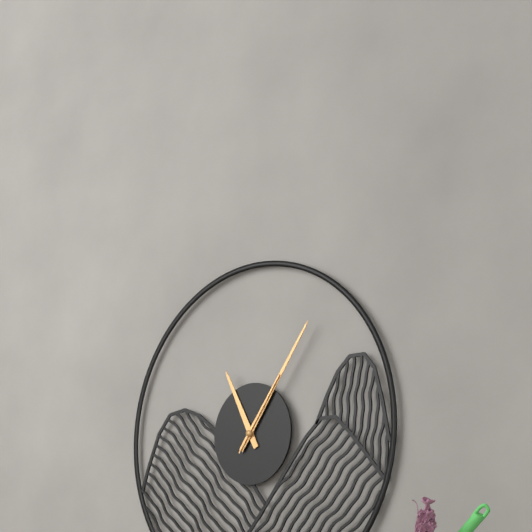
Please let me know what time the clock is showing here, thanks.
11:06:06
